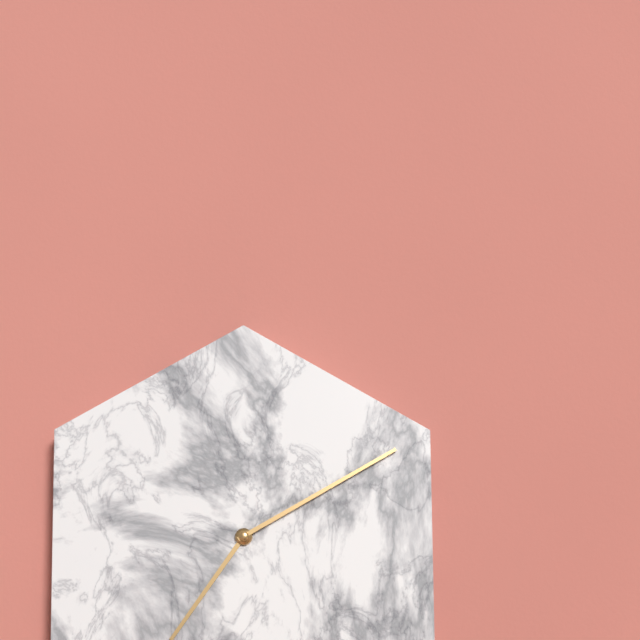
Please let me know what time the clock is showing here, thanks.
7:10
